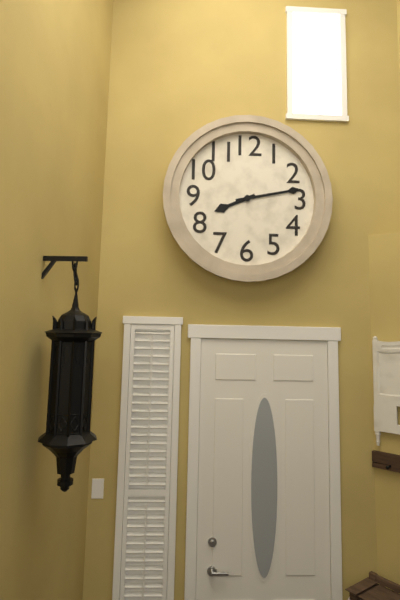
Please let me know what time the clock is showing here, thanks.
8:13
